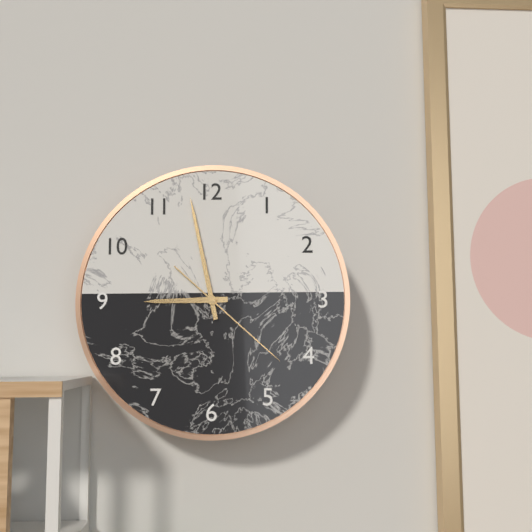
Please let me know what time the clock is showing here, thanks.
8:58:22
